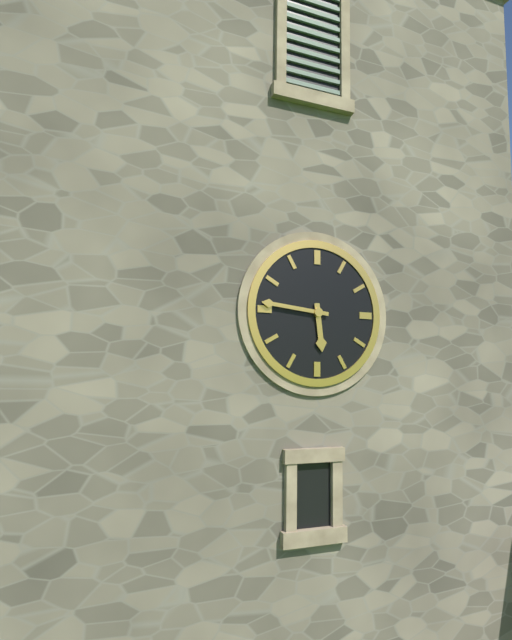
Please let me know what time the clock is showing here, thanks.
5:46
